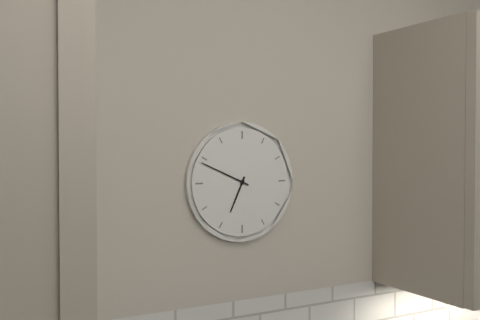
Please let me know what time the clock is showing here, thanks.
6:49
